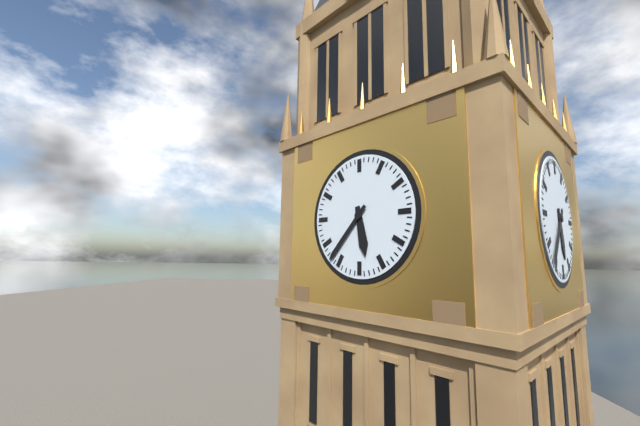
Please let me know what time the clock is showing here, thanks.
5:37
